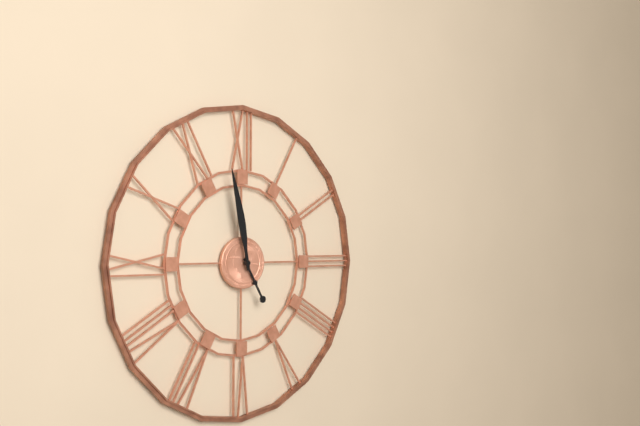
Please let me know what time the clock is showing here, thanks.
4:58
